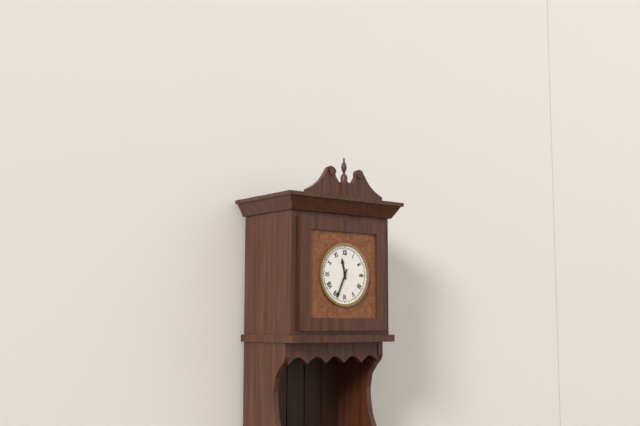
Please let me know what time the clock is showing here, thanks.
11:34
